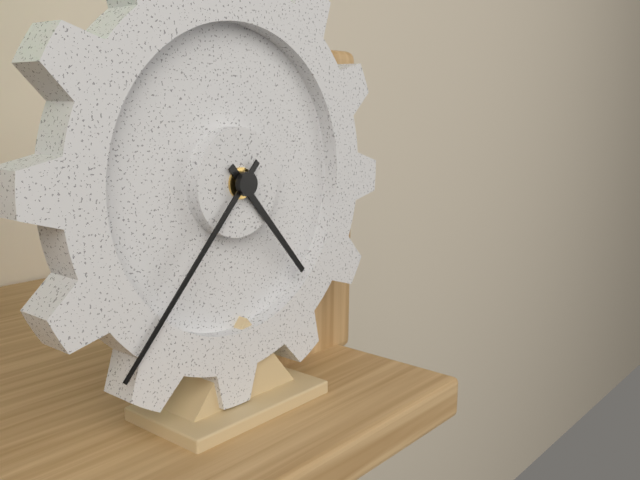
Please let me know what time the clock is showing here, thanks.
4:37
